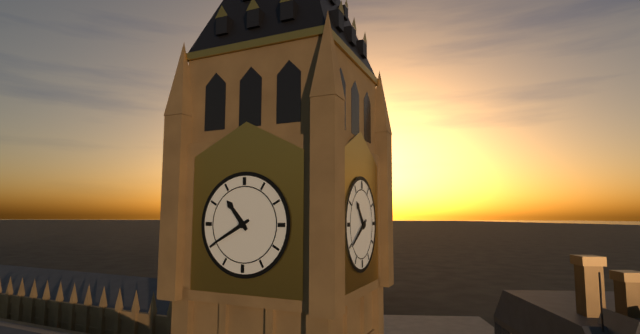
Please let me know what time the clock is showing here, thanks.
10:40
